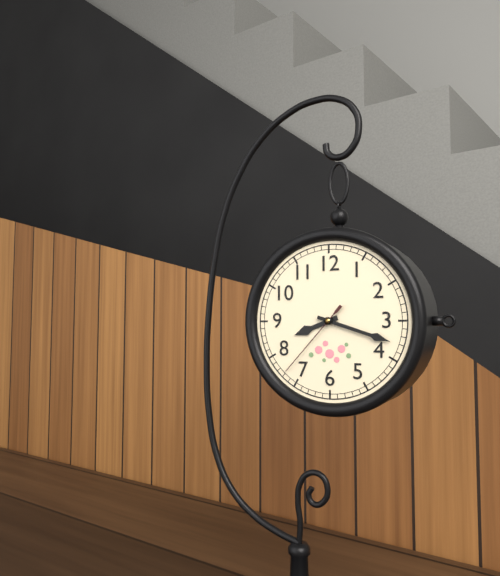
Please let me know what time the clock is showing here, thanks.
8:18:37
